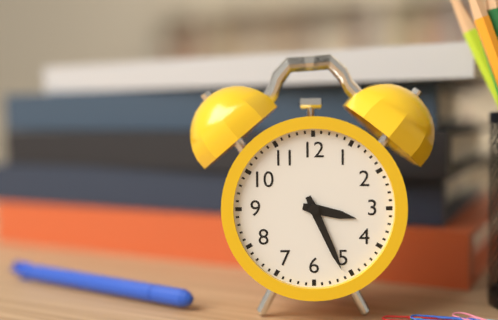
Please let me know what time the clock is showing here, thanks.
3:26
